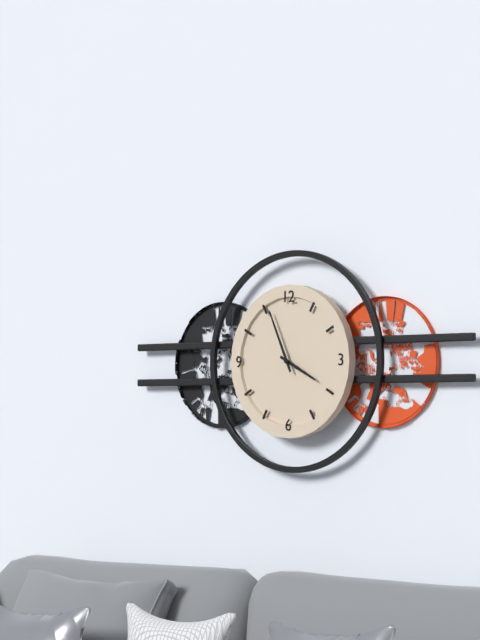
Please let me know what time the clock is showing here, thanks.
3:56
